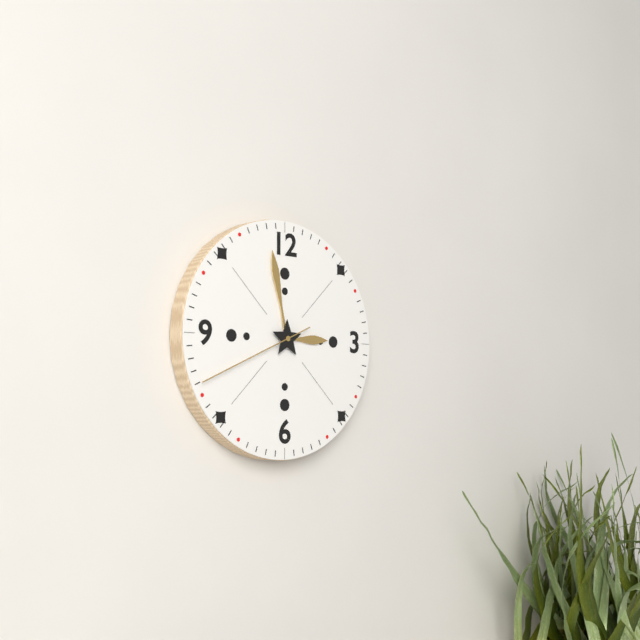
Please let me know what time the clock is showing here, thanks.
2:58:41
